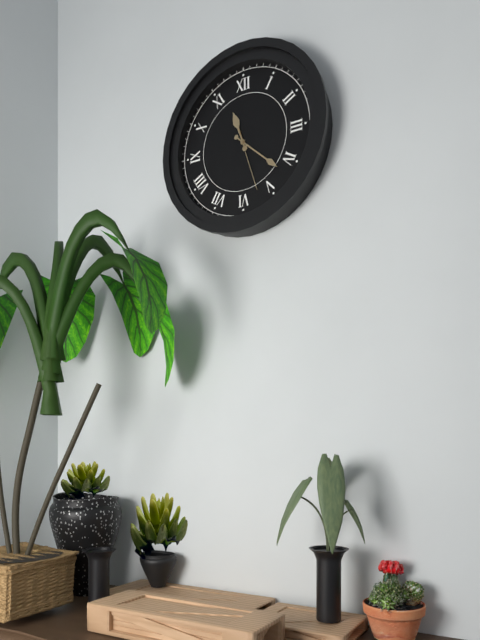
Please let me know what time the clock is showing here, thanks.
11:22:27
